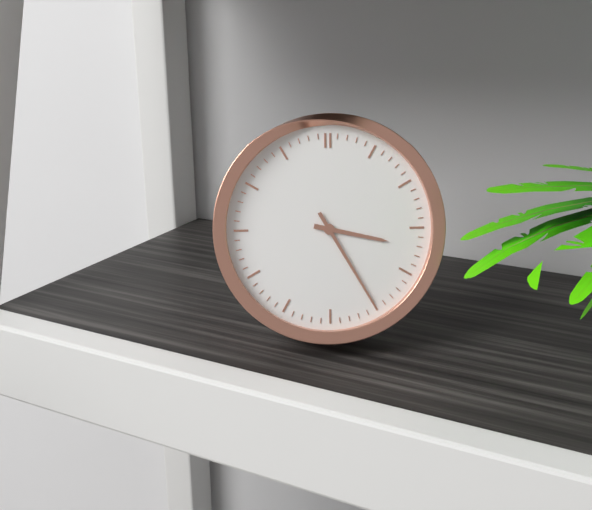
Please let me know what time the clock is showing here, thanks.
3:25
